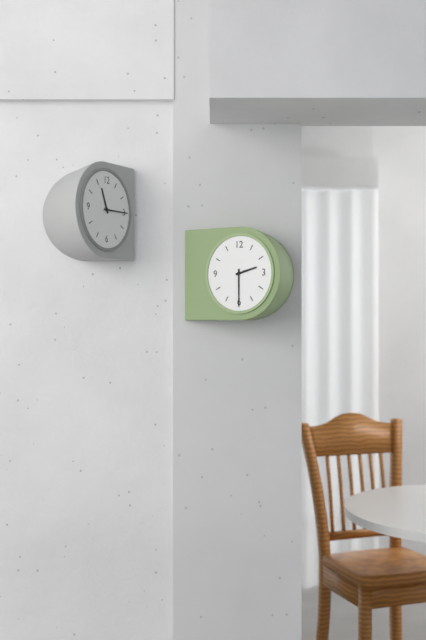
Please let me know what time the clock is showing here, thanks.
2:30
